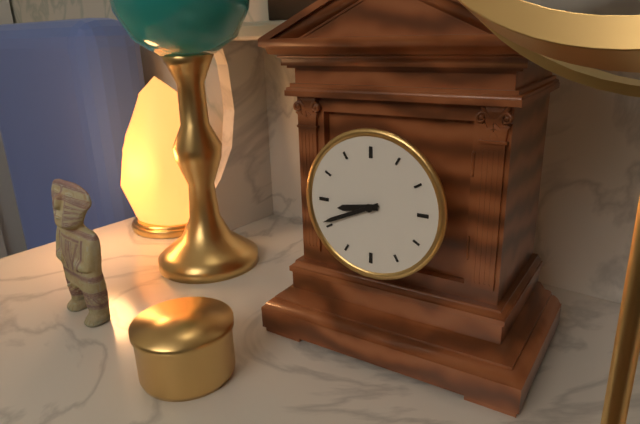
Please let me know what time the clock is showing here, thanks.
8:41
